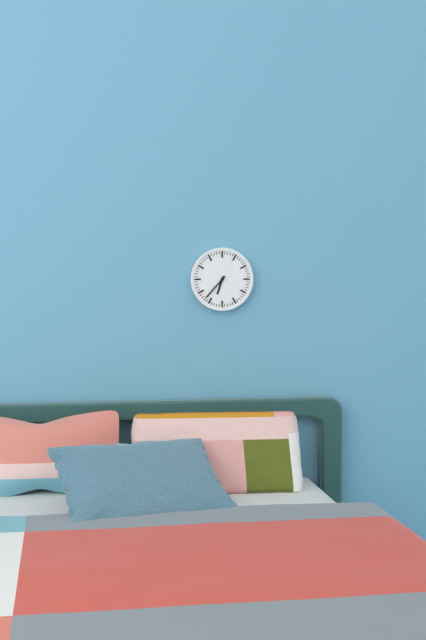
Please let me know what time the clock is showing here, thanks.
6:37
